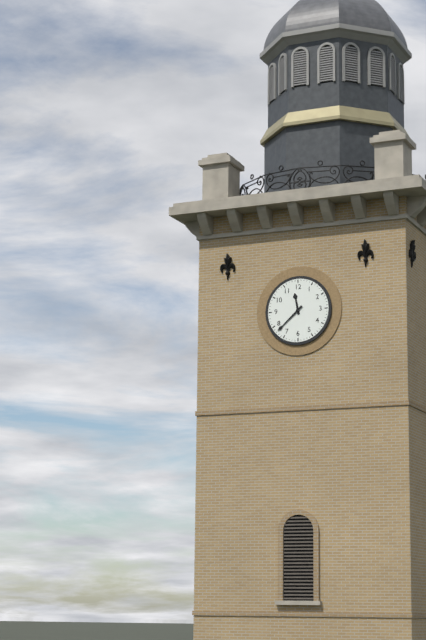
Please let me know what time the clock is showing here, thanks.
11:38
